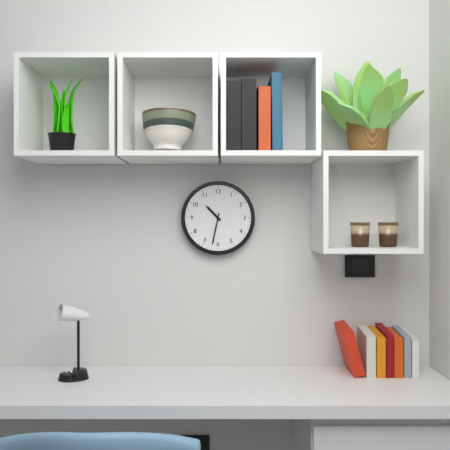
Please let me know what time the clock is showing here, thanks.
10:32
